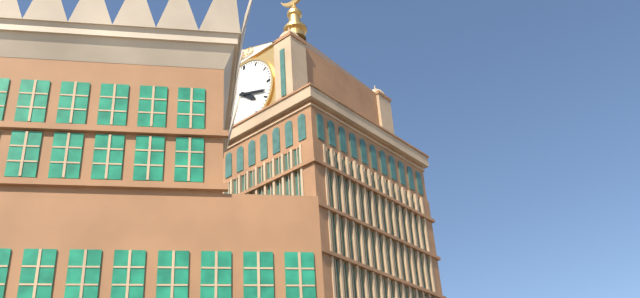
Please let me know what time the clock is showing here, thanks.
4:18
